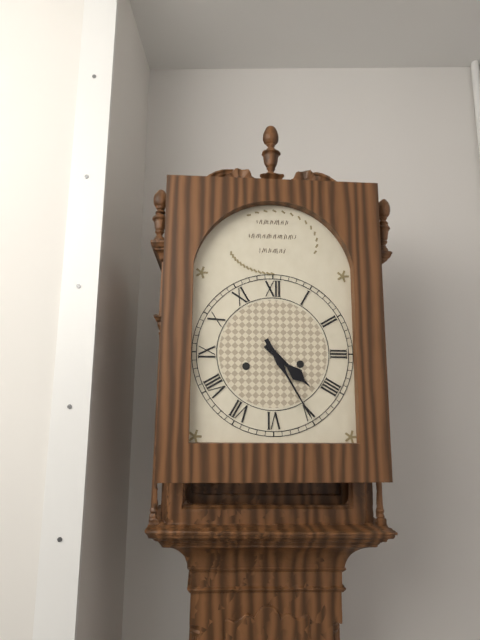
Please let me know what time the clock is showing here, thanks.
4:25
